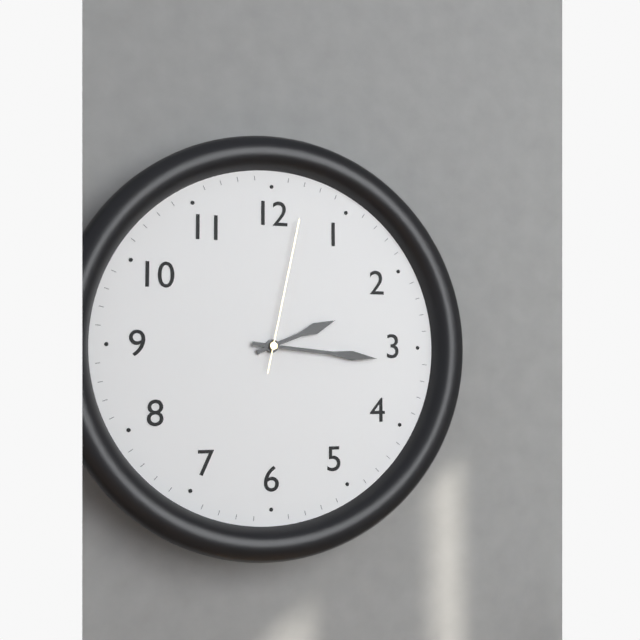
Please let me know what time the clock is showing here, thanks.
2:16:02
